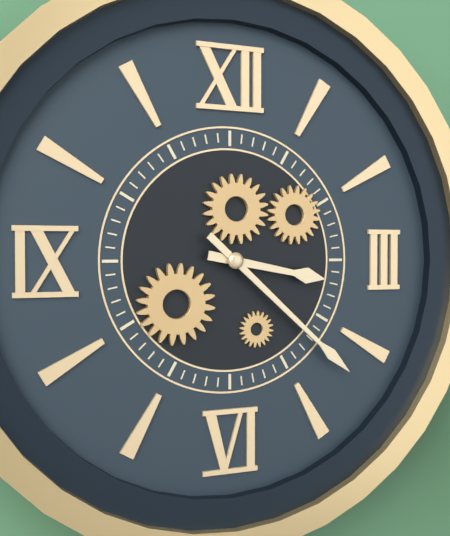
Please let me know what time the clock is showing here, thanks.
3:22
